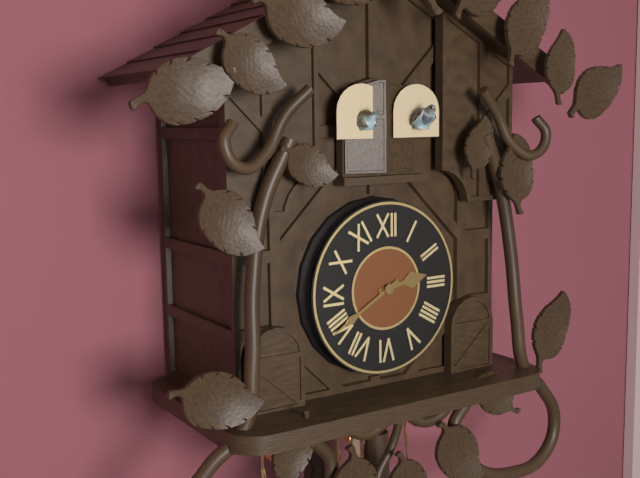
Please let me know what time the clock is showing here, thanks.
2:40
